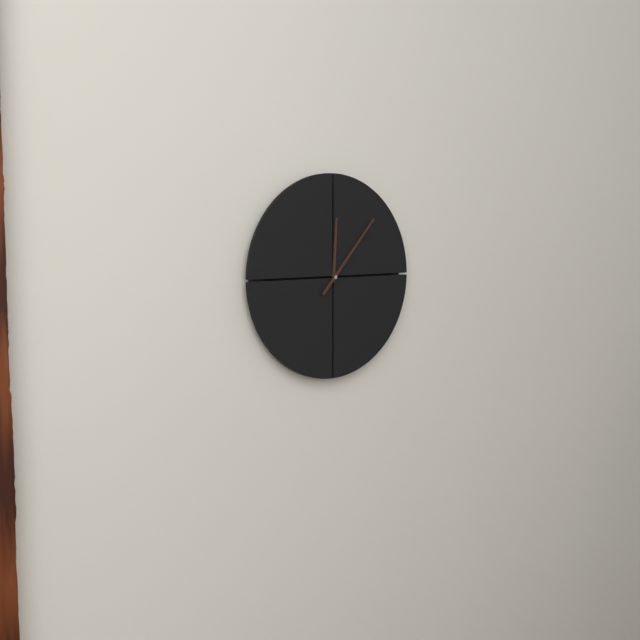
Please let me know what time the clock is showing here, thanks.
12:07
